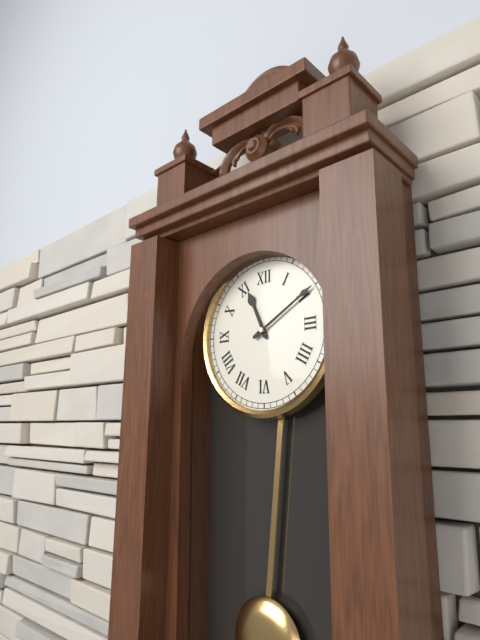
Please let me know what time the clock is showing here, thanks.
11:10
